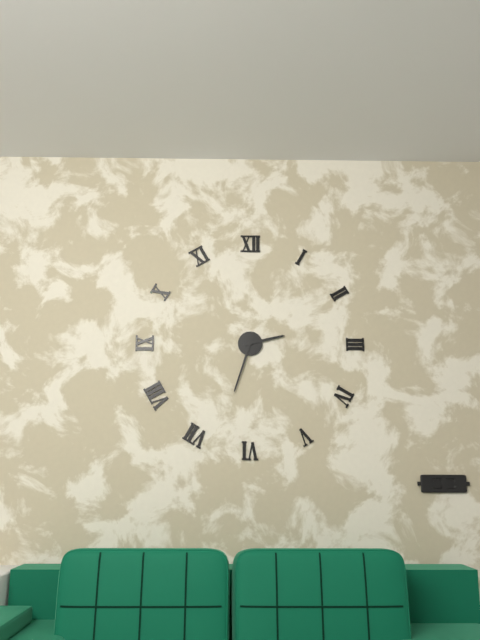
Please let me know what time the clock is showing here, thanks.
2:33
